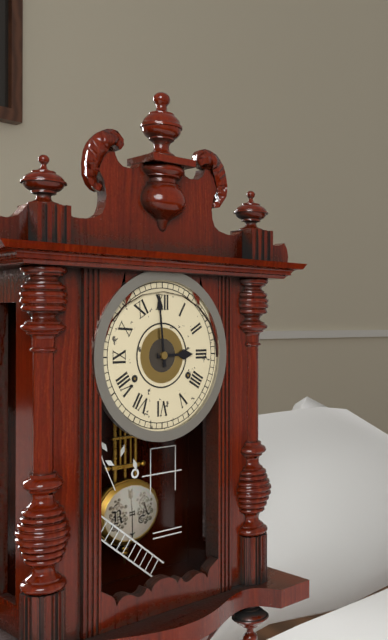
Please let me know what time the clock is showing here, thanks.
2:59
